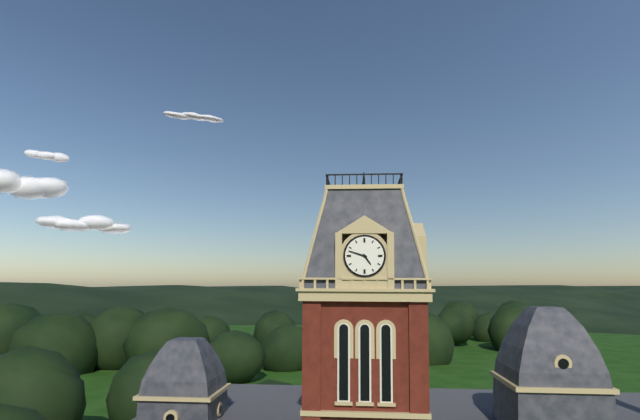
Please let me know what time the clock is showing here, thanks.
4:48
